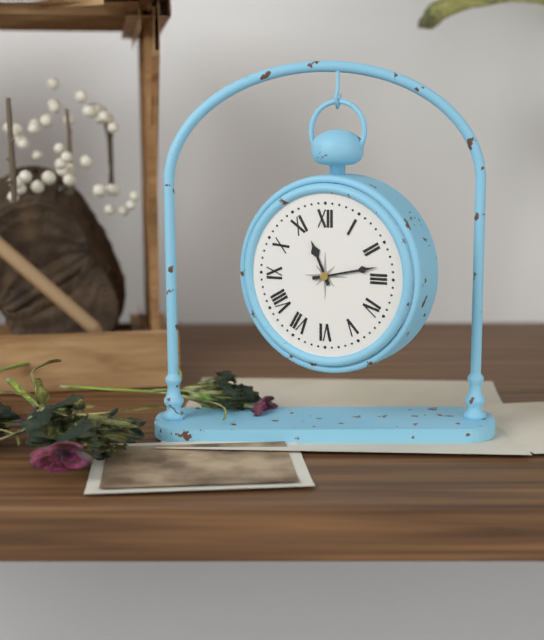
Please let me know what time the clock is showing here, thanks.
11:13
